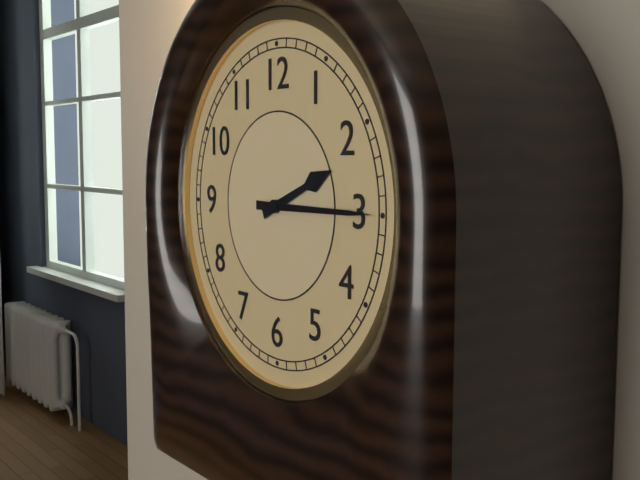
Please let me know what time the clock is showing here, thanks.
2:15
